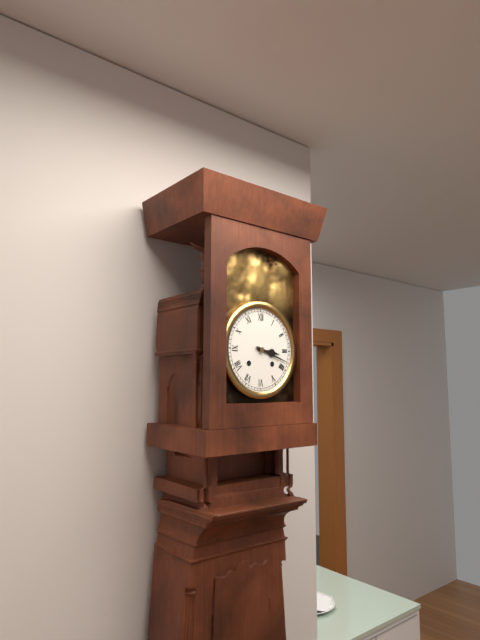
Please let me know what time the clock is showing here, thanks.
3:18
